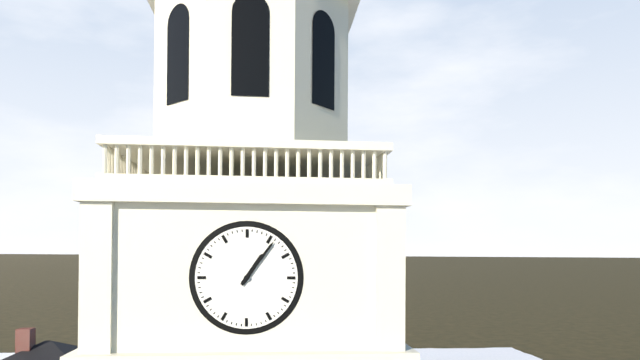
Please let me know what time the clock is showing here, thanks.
1:06
